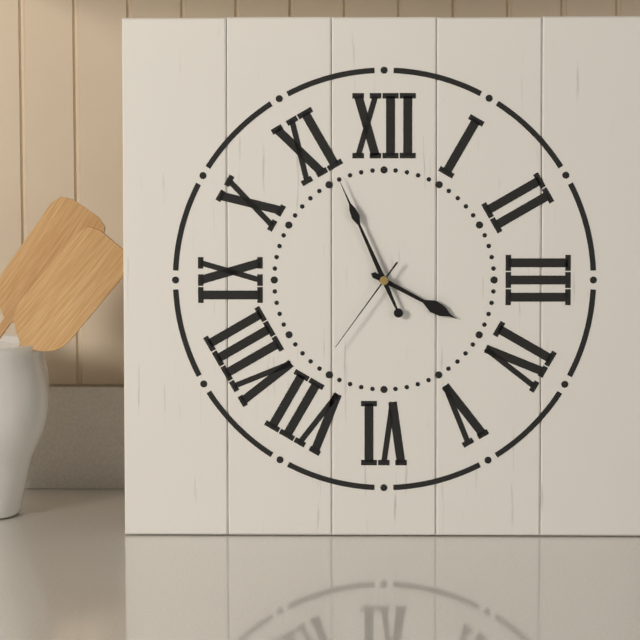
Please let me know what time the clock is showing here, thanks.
3:56:36
